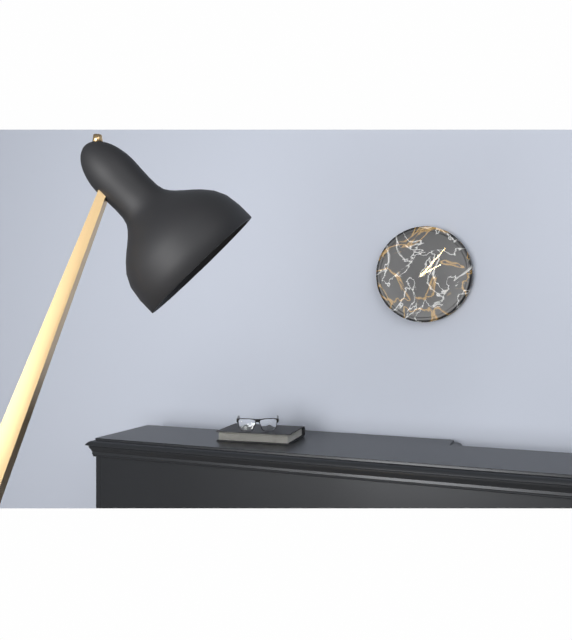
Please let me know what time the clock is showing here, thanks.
2:07
